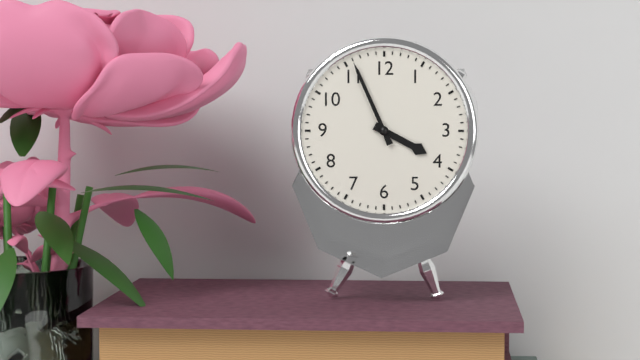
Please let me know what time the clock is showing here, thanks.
3:56
